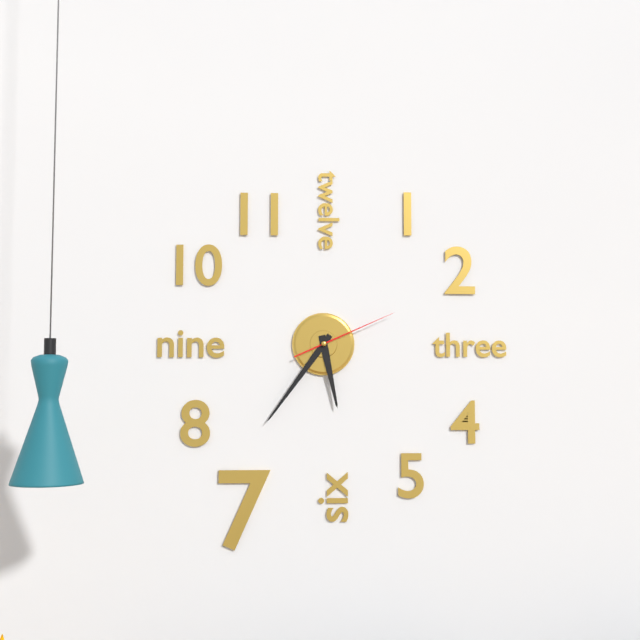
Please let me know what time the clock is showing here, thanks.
5:36:11
